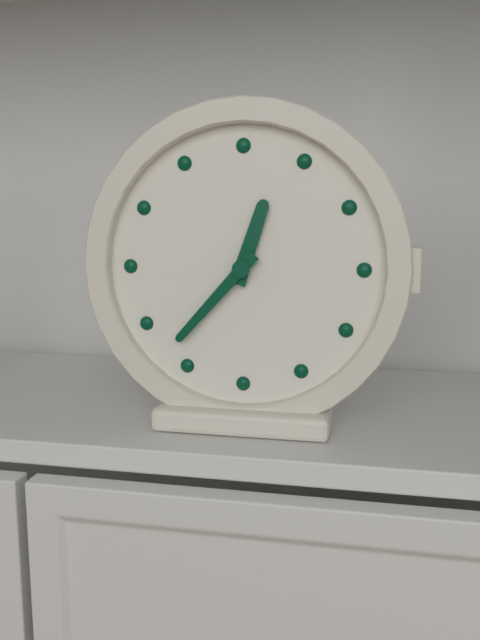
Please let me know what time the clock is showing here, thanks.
12:37
